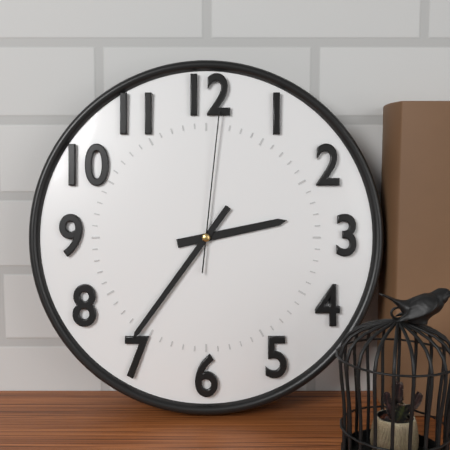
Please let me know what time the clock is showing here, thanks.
2:36:01
